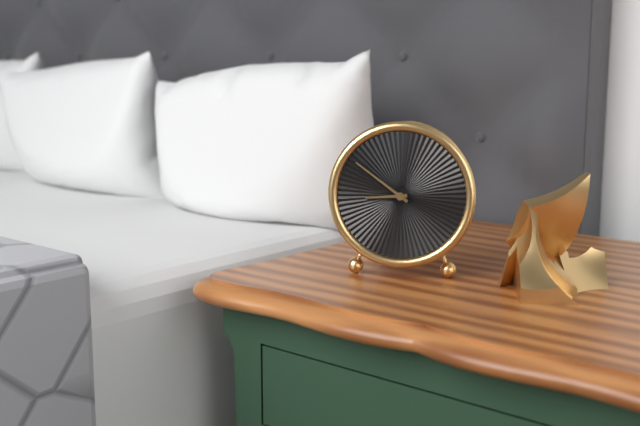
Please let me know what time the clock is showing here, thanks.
8:51
